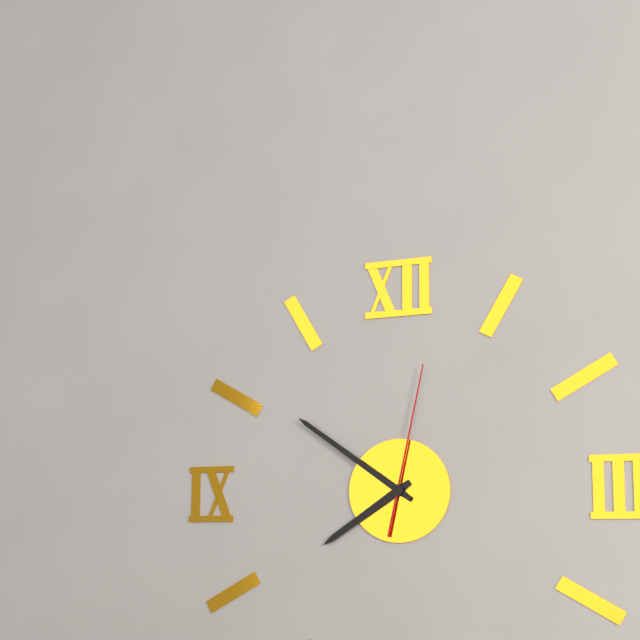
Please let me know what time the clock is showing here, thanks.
7:51:02
